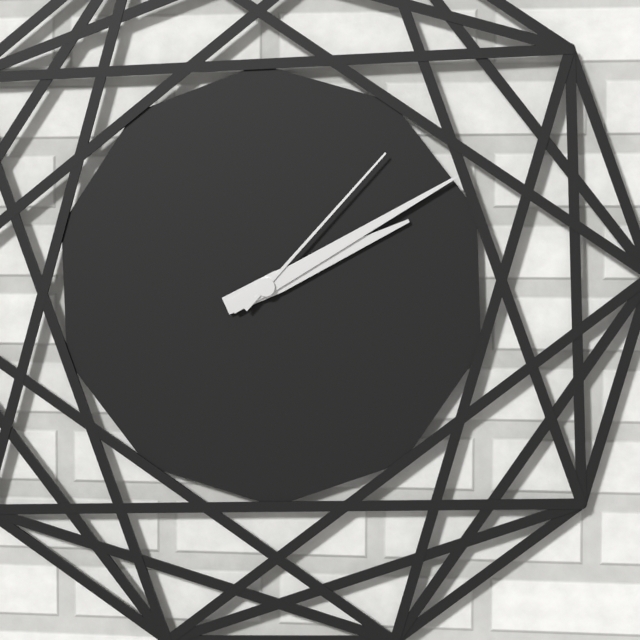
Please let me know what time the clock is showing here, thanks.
2:10:07
